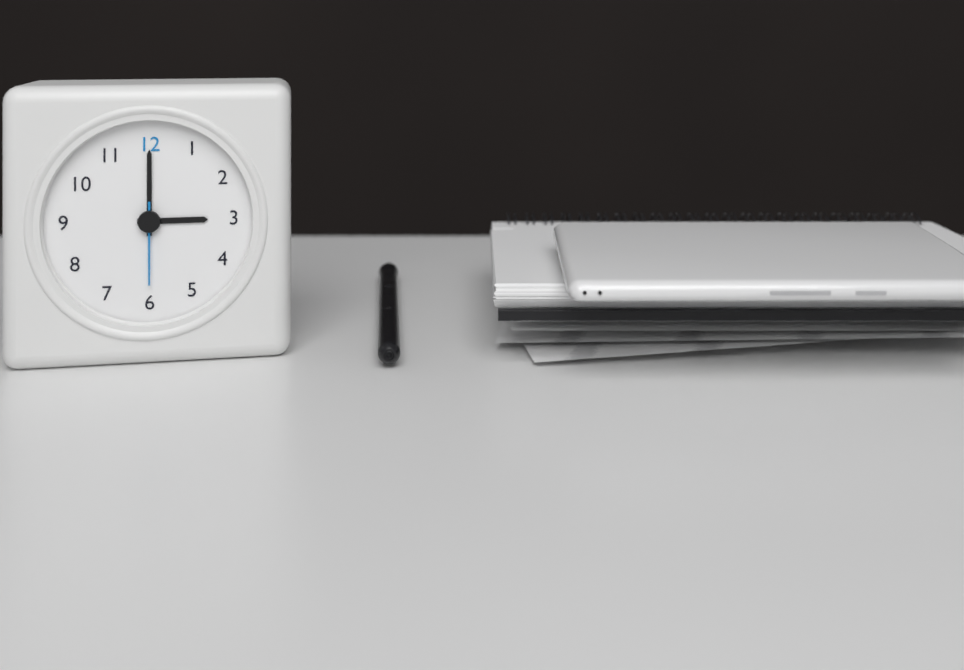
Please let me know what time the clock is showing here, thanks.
3:00:30
